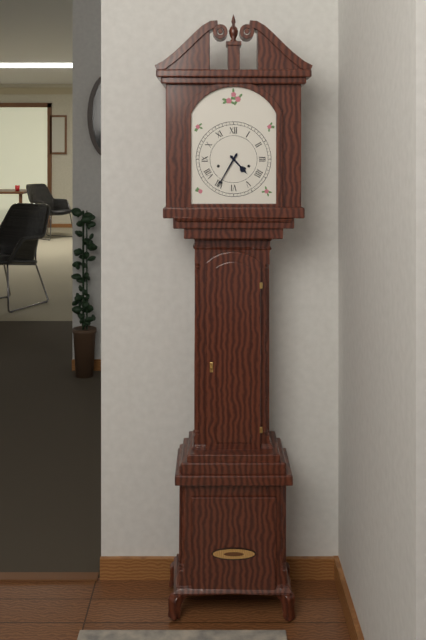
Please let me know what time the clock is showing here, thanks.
4:35
